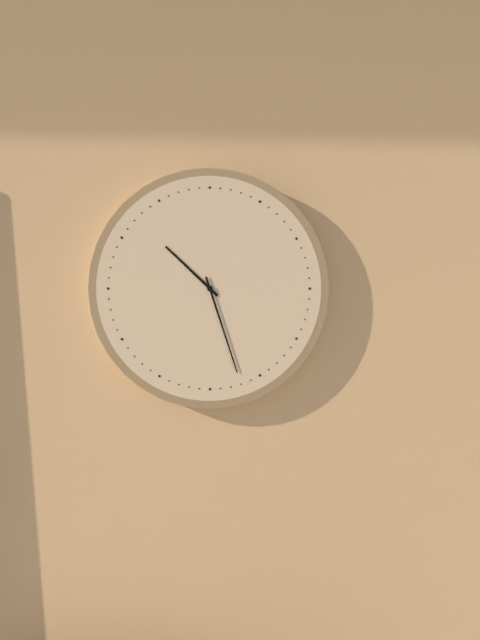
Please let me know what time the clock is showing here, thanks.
10:27
